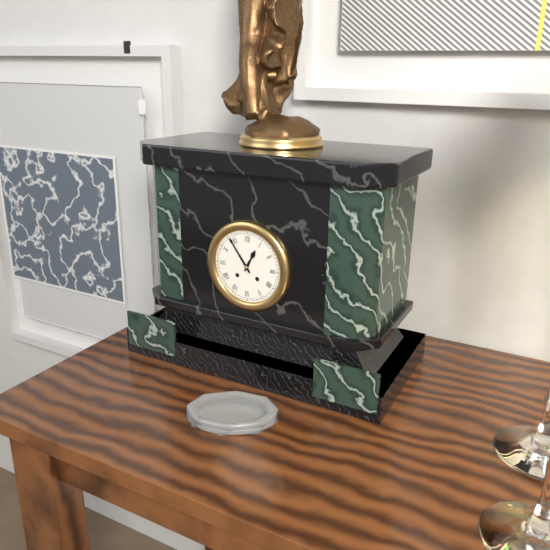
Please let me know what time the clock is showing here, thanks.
12:54
